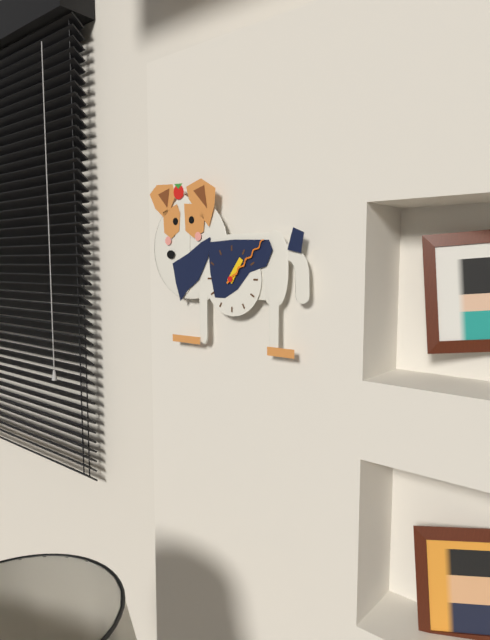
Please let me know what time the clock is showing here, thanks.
1:08
